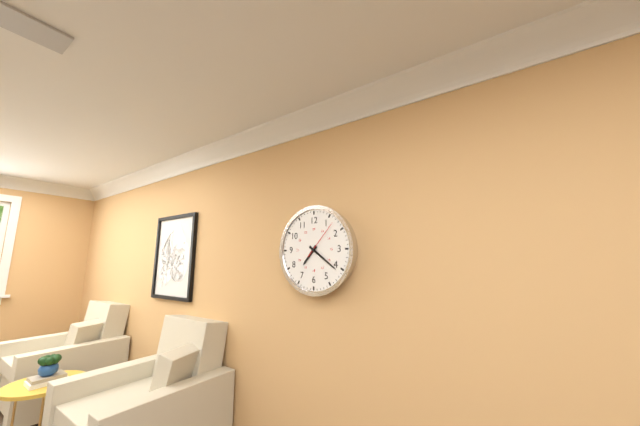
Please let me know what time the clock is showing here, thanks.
7:21
